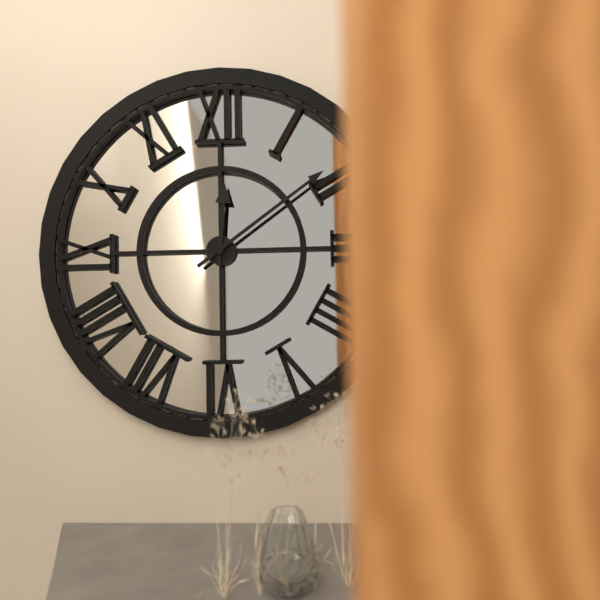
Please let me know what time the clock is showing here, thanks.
12:09
